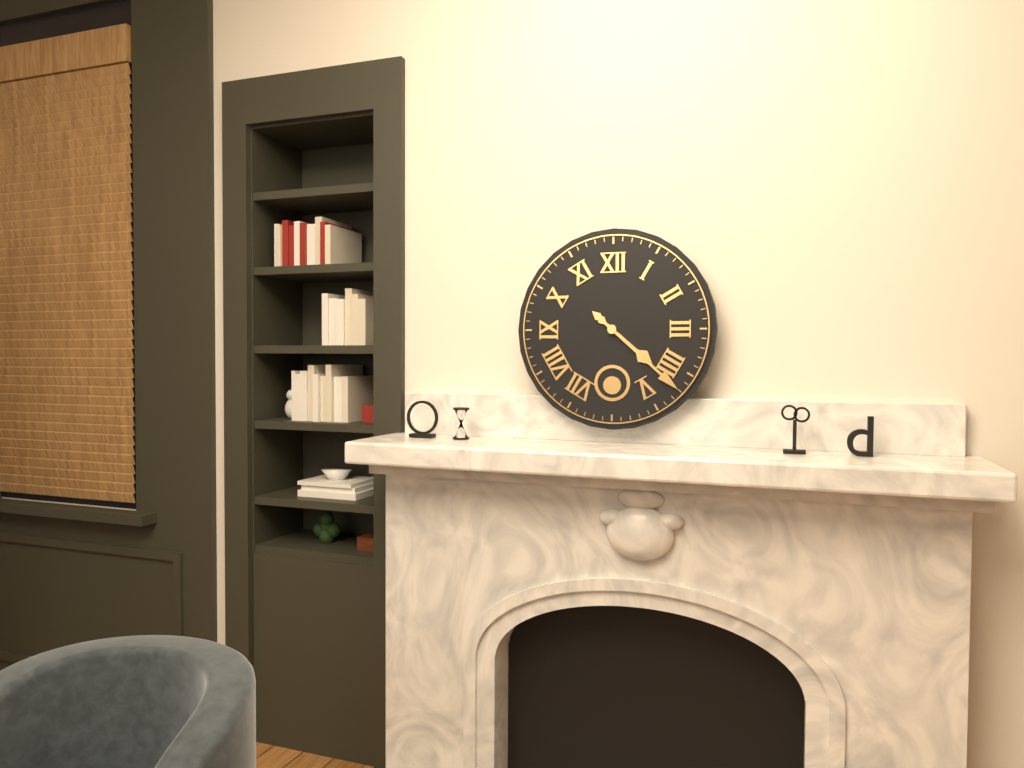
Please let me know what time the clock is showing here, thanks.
4:22
